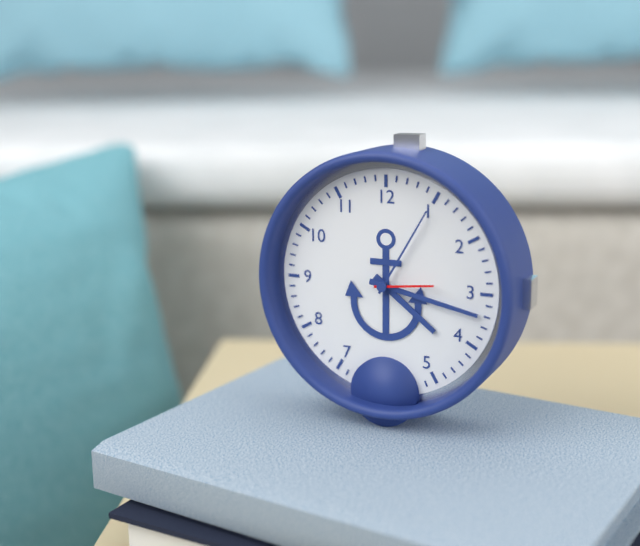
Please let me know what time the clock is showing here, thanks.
4:17:14
